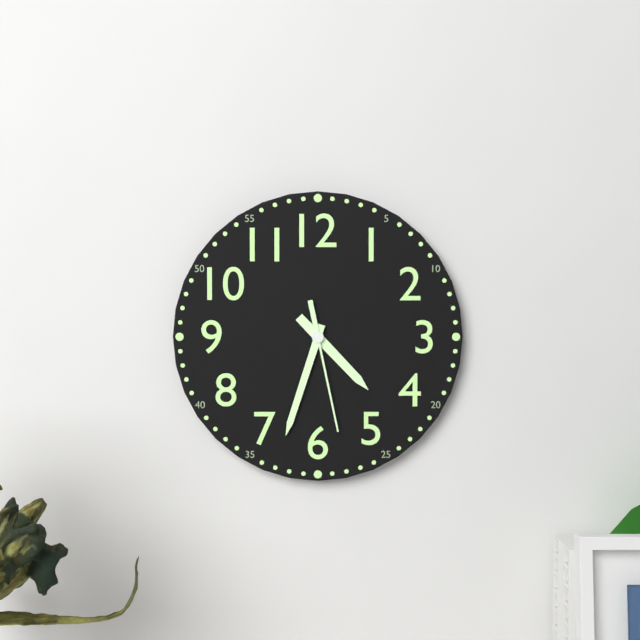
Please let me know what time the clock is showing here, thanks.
4:33:28
